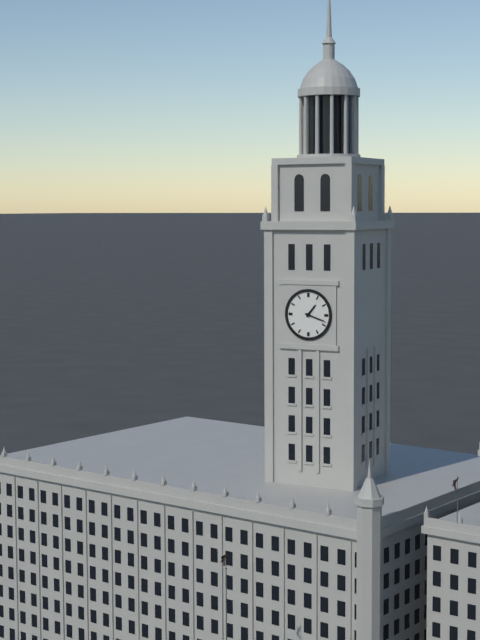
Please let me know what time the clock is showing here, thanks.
1:18
